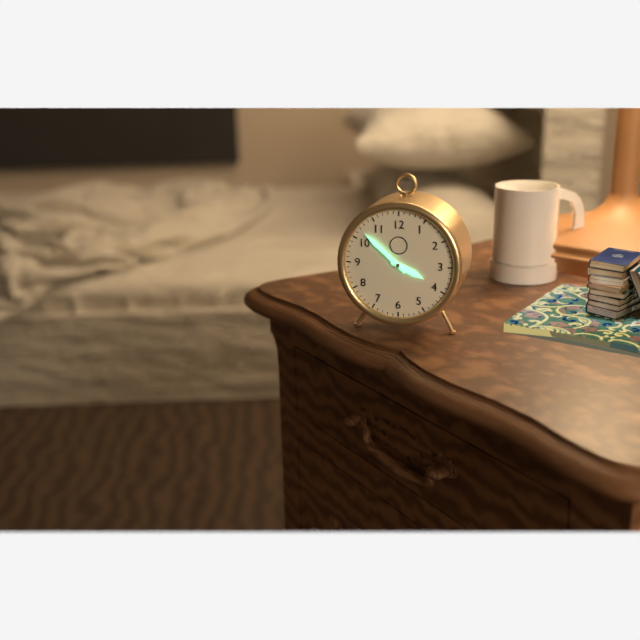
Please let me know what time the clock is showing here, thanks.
3:52
